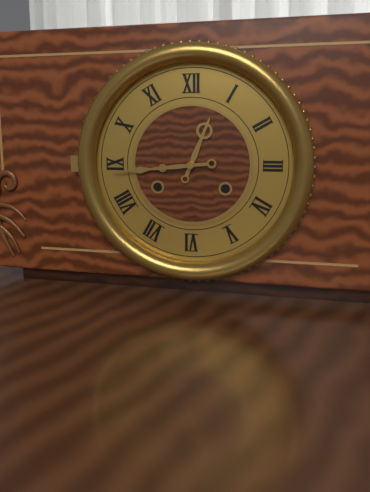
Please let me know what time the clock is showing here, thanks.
12:44
